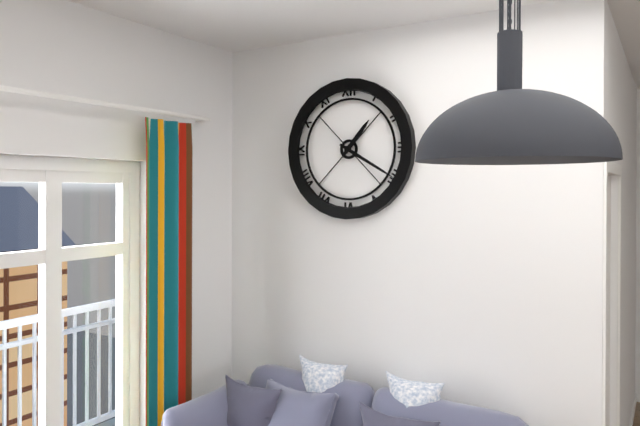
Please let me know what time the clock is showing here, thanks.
1:20
